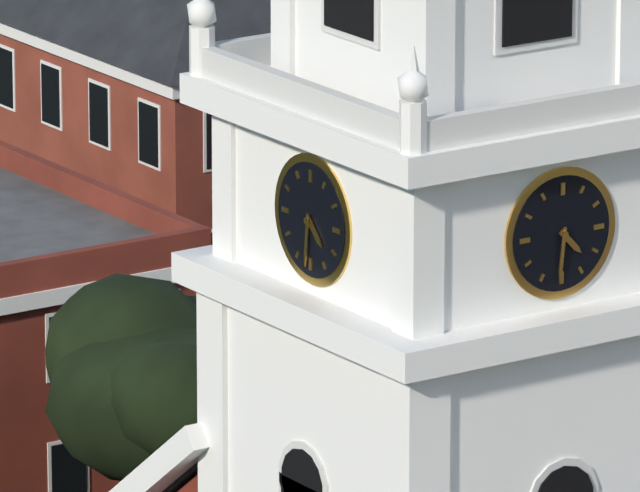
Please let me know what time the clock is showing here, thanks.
4:31
